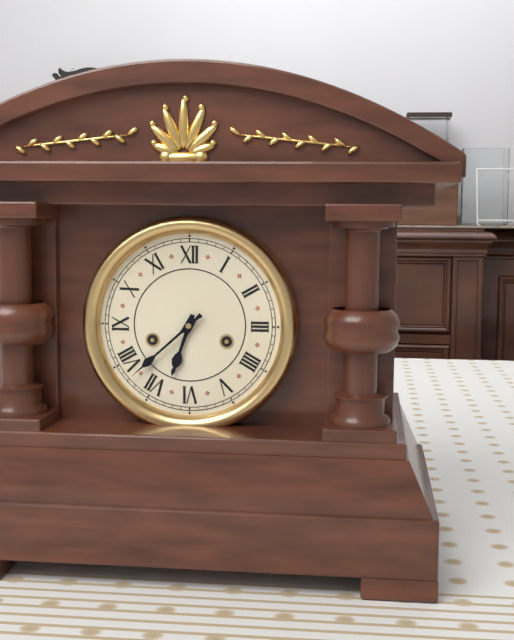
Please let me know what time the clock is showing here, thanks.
6:38
